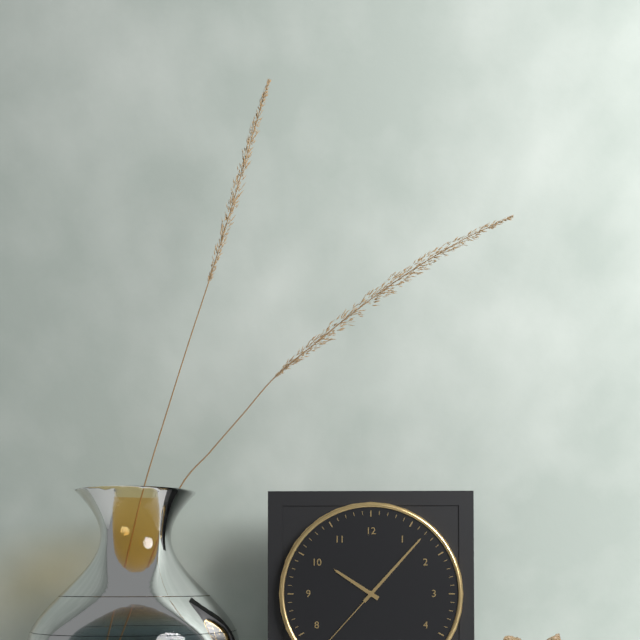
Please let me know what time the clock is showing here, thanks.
10:07
